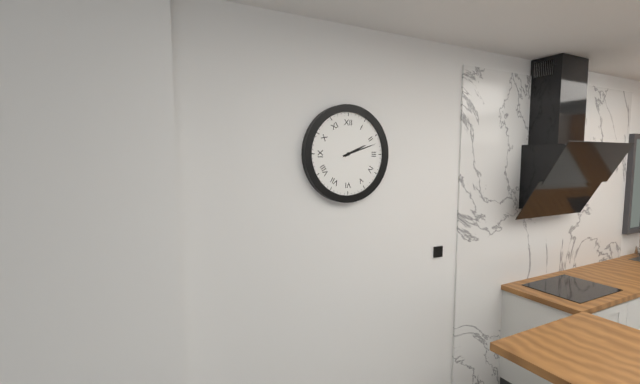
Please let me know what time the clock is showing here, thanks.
2:12
